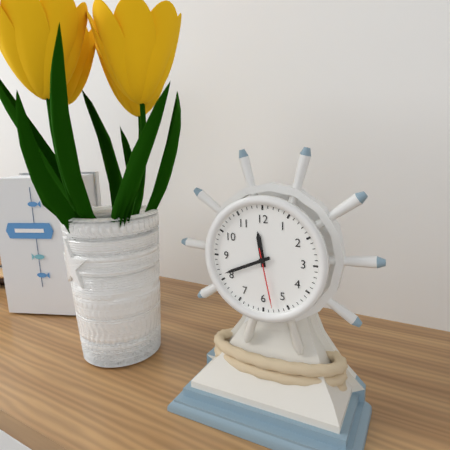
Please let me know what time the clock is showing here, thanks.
11:41:28
